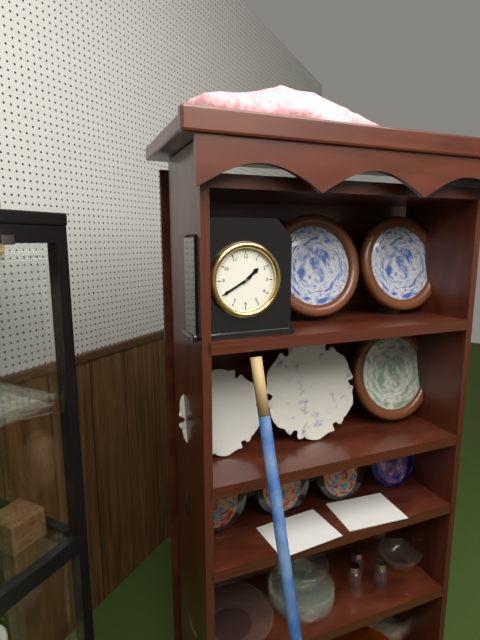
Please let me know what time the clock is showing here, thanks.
1:40
